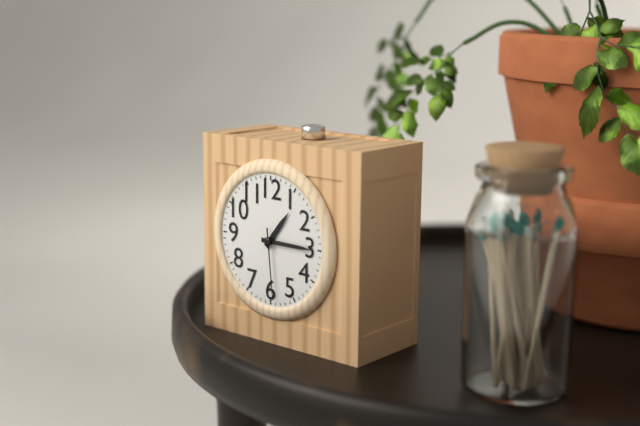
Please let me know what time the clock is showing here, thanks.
1:15:29
